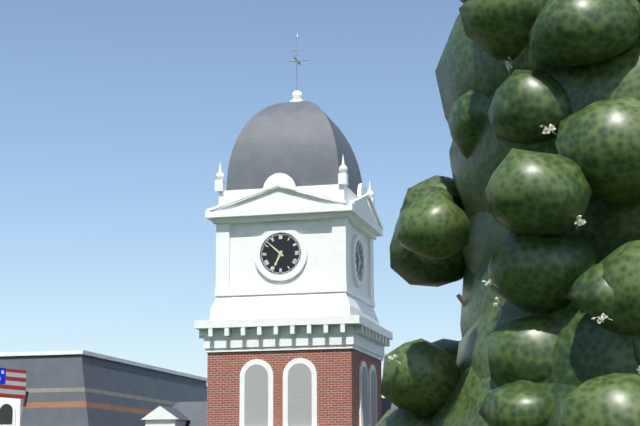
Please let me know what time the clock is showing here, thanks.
6:52
